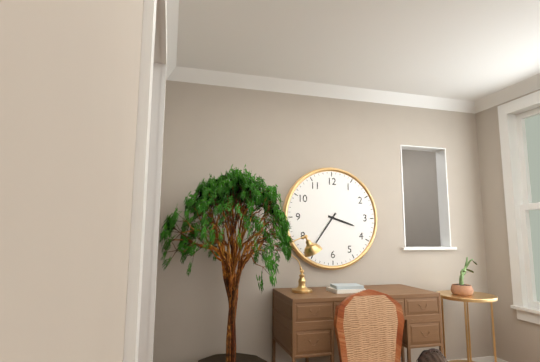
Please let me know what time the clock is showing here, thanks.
3:36
